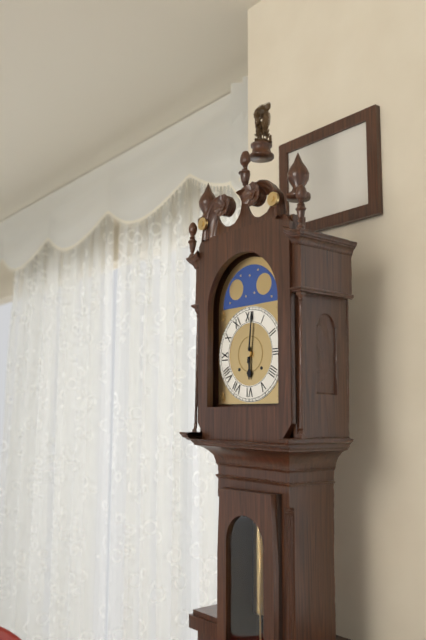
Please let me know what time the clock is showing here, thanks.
6:01
